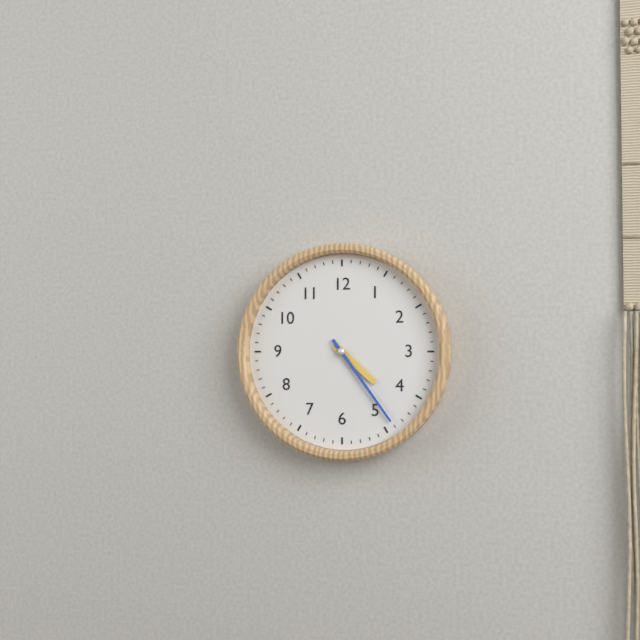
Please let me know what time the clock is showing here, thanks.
4:24
